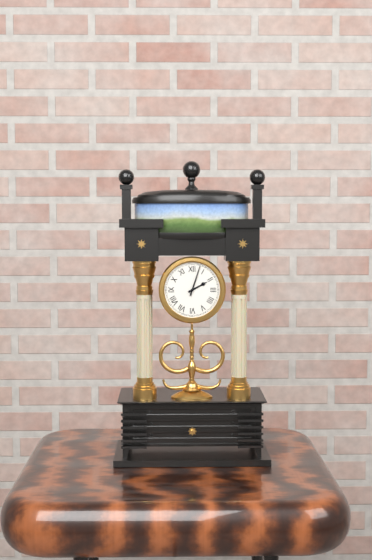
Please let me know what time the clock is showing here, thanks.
2:03
